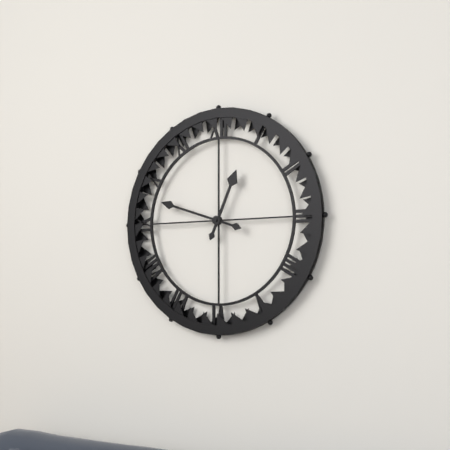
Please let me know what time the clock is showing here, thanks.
12:48
